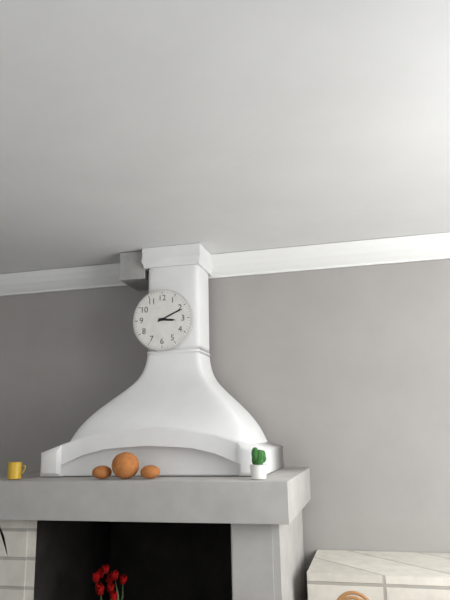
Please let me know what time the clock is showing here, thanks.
3:11
